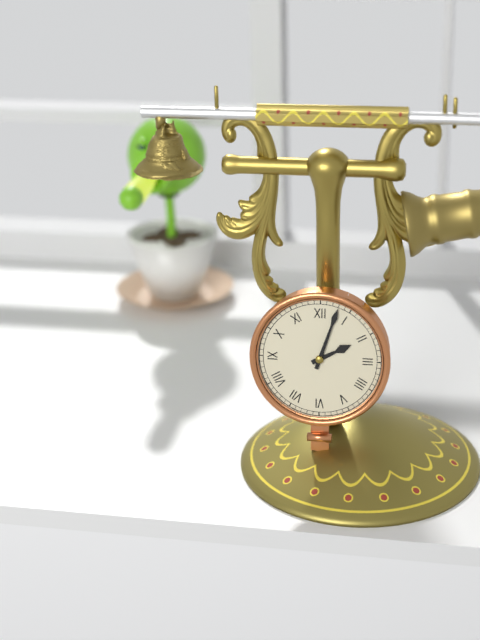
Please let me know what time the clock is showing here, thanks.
2:03
